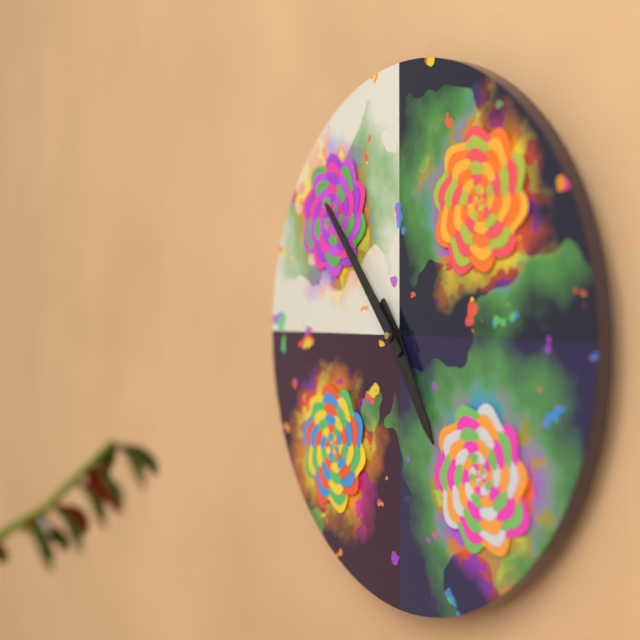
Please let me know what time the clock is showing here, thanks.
4:53
